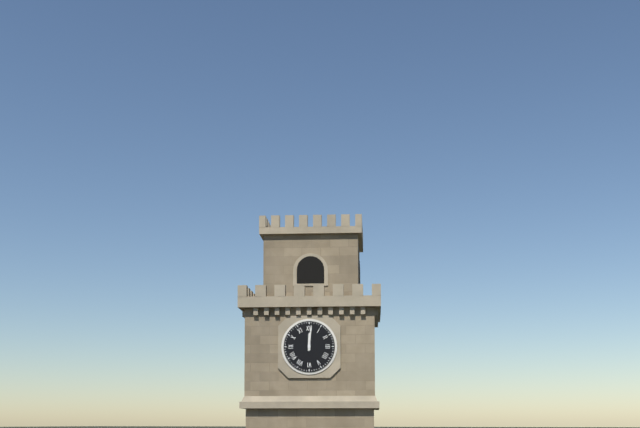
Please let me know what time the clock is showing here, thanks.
12:01
